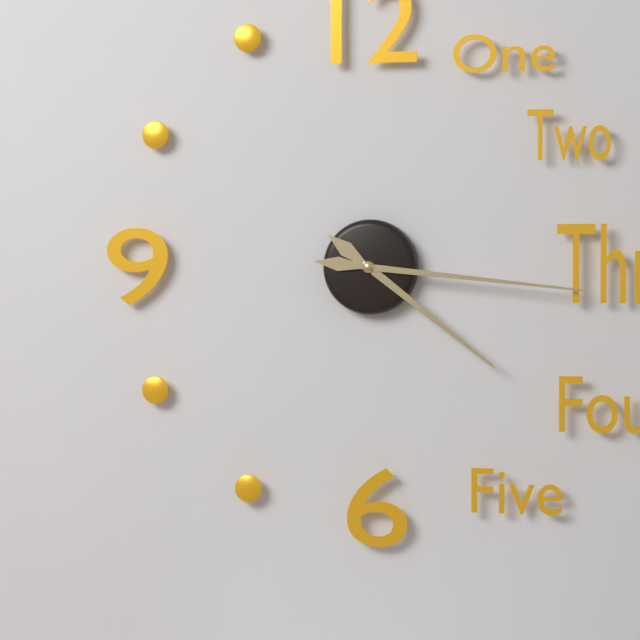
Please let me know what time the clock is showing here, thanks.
4:16
